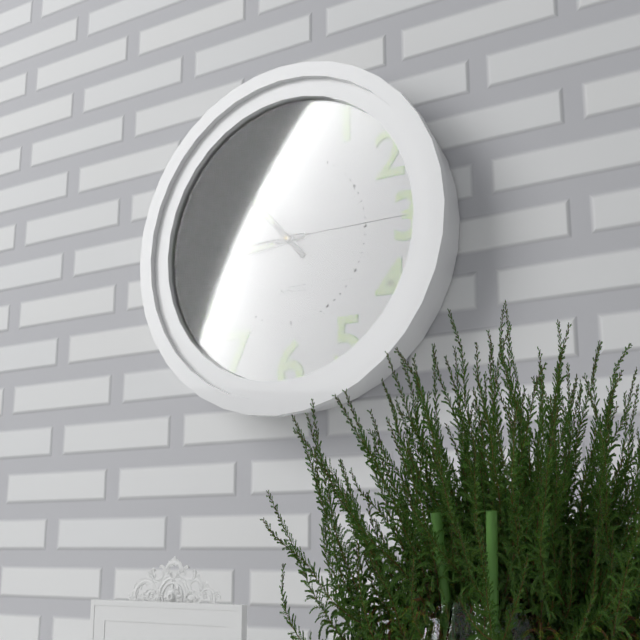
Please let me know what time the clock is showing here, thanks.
8:53:15
